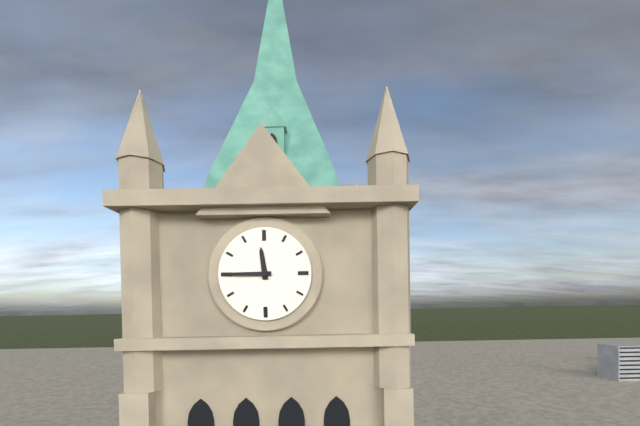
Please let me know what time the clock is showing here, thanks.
11:45
